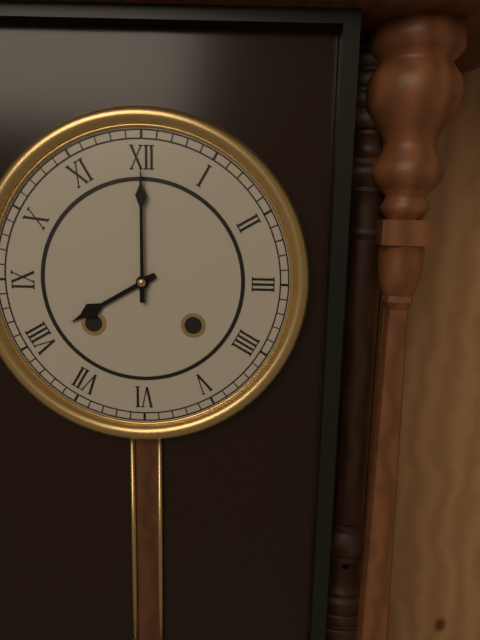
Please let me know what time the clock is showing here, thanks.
8:00
